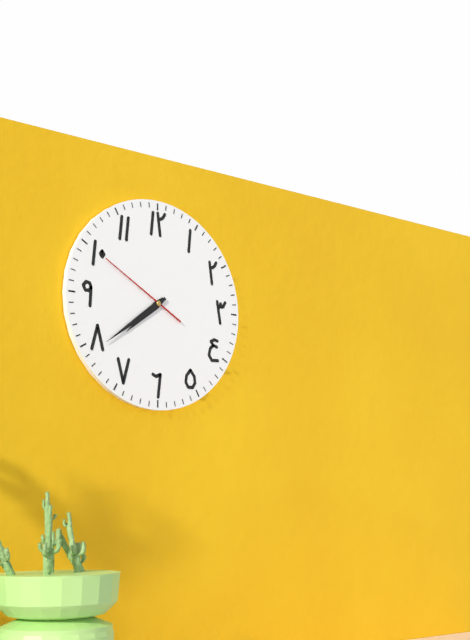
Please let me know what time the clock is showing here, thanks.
7:39:50
